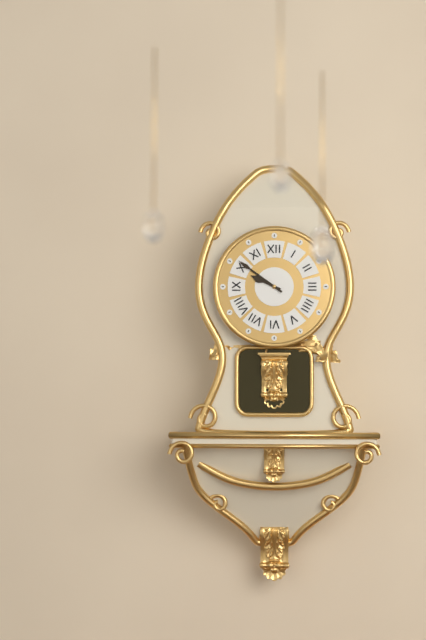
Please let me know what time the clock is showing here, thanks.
9:51
